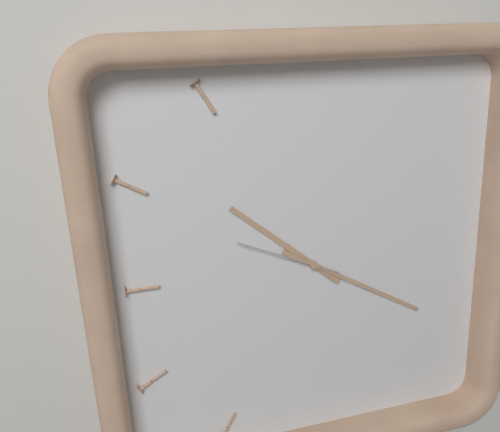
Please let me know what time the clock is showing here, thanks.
10:20:49
